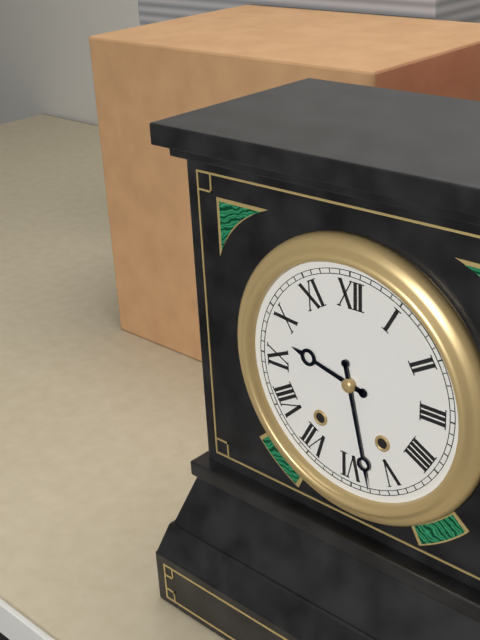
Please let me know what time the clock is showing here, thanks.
9:28
